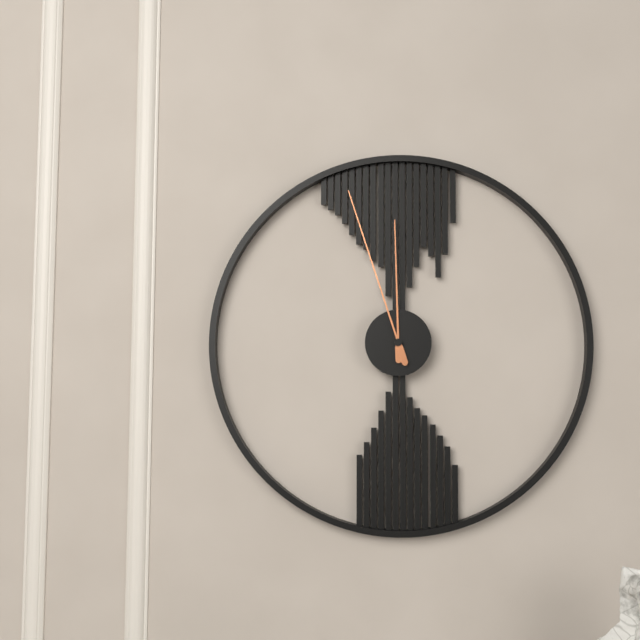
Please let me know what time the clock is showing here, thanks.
11:57
